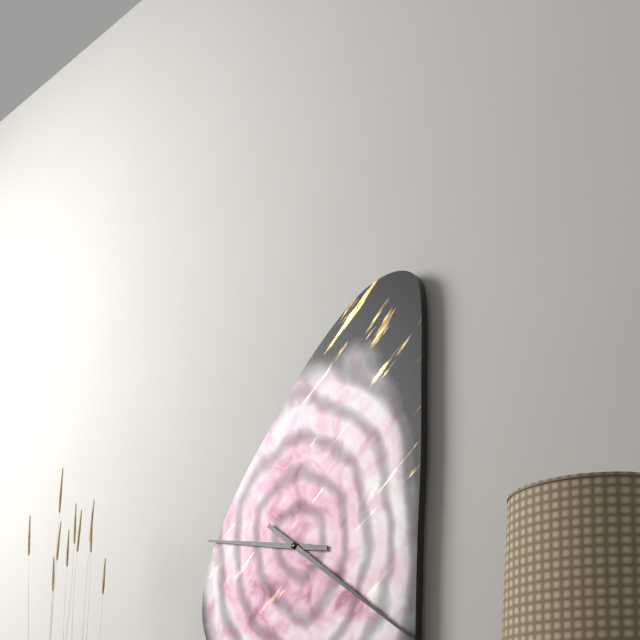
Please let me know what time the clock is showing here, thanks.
9:21
